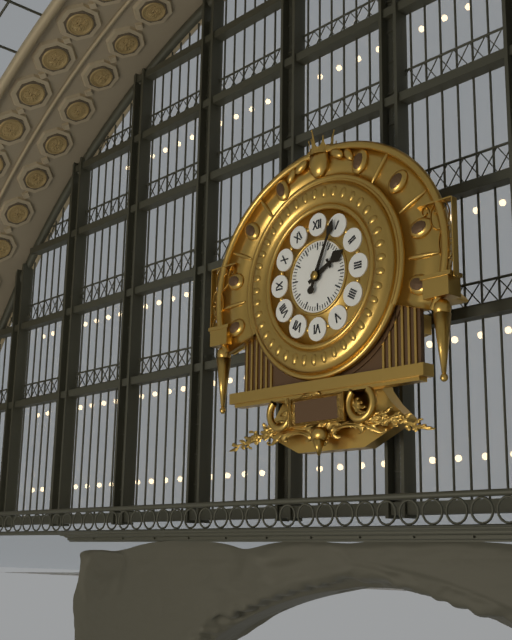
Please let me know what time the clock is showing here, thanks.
2:04
